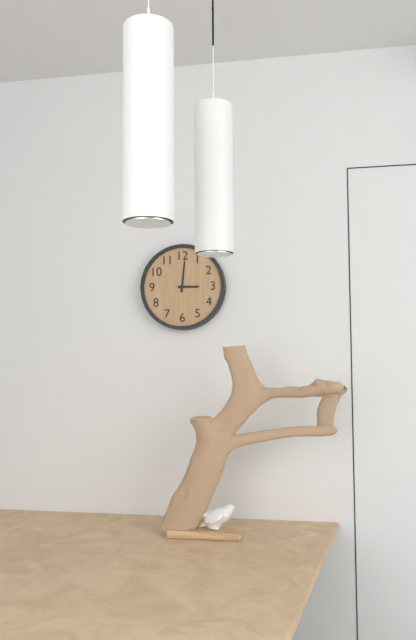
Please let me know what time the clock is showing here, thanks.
3:01
